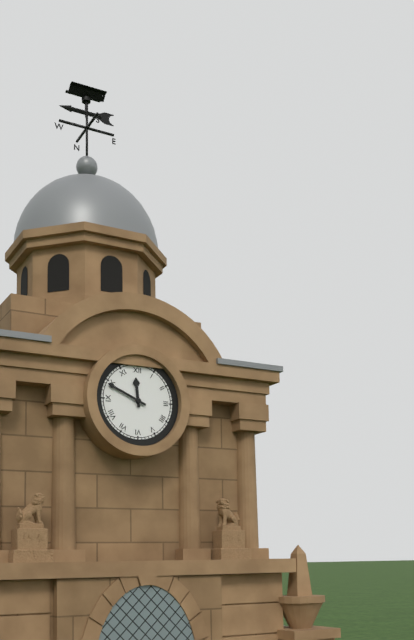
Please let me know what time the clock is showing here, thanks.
11:49
